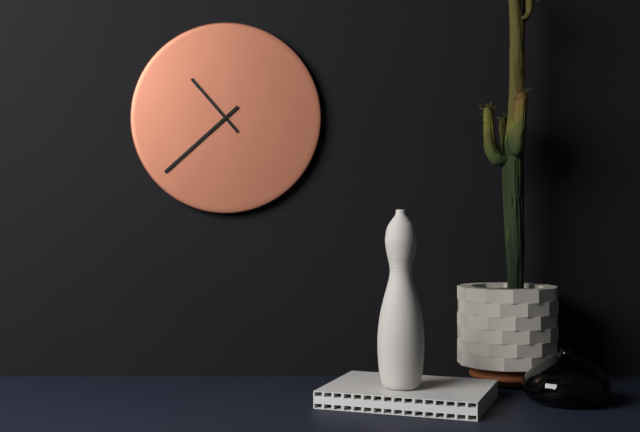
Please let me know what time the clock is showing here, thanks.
10:38
